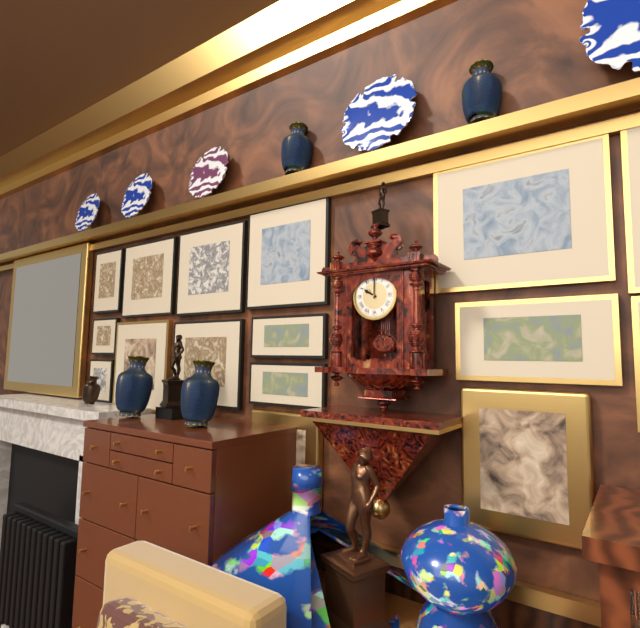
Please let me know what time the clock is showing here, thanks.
10:00
